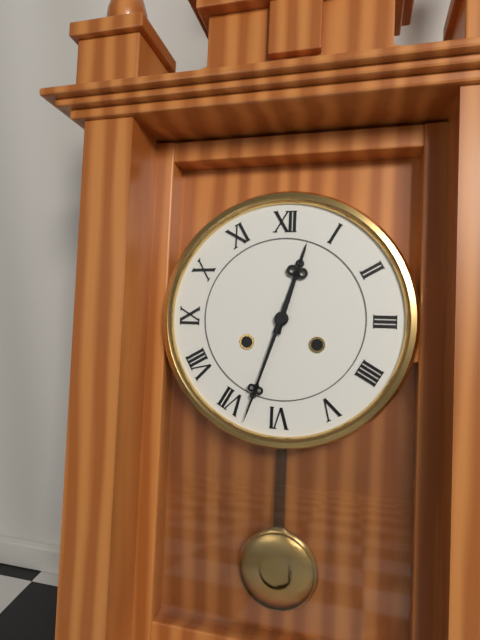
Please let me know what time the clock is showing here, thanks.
12:33
